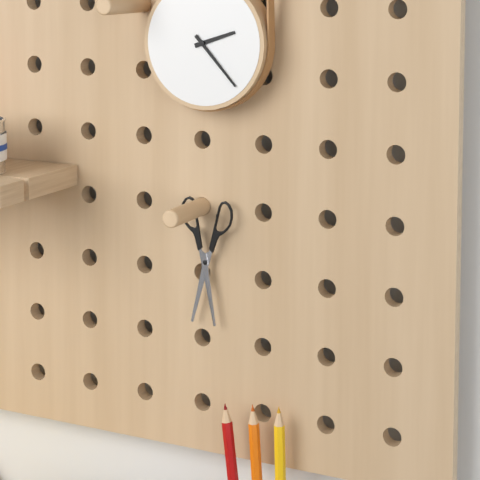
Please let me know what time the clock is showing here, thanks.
2:23
